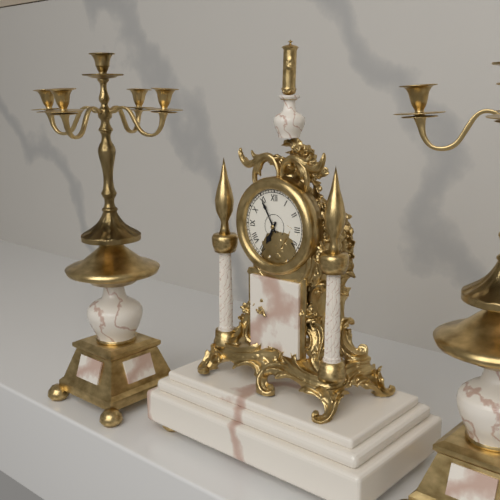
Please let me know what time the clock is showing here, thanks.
6:55
